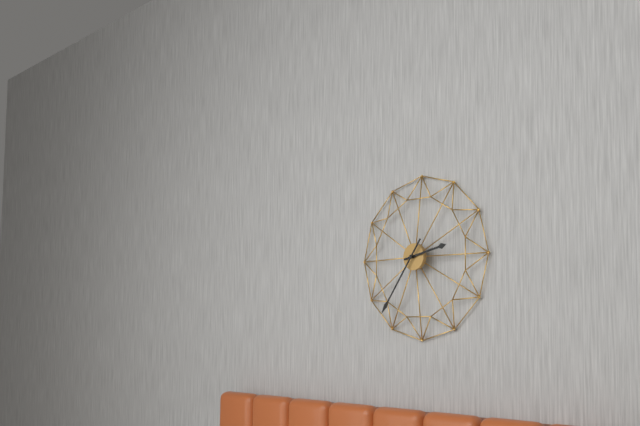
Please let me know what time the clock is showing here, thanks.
2:36
